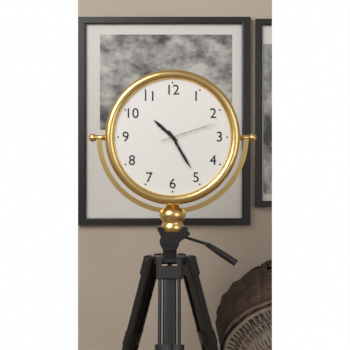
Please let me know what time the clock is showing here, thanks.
10:25:12
